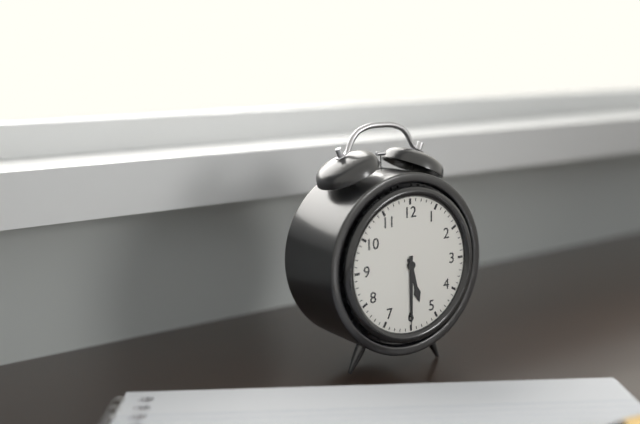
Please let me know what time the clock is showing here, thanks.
5:30
